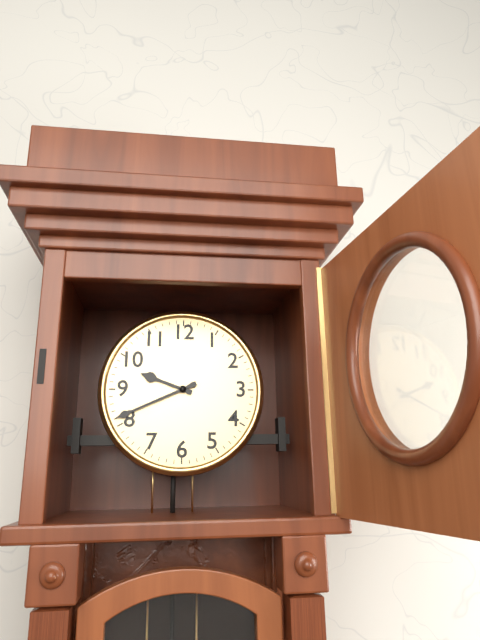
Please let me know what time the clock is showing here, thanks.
9:41
